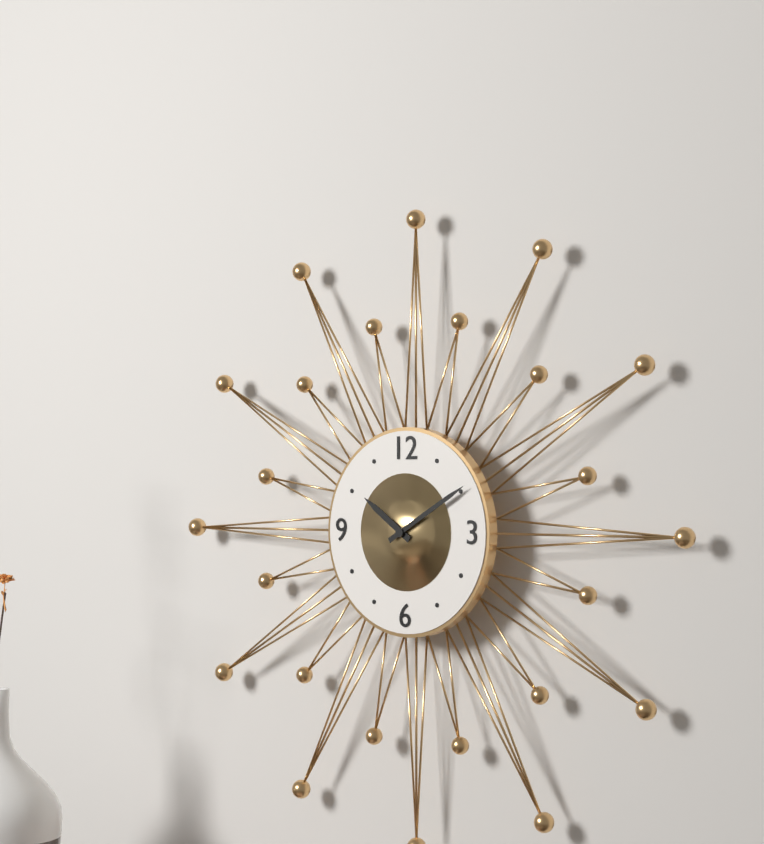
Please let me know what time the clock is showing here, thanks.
10:10
